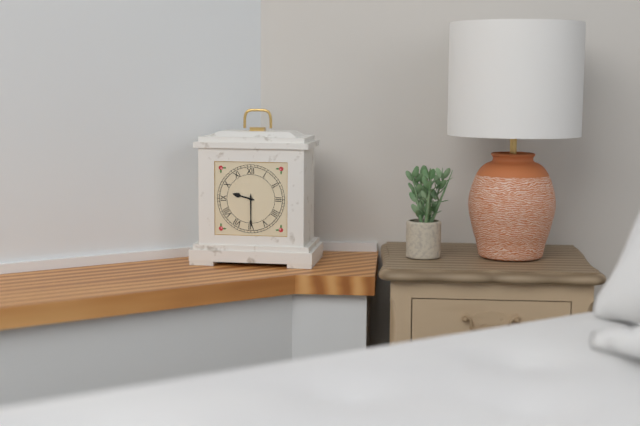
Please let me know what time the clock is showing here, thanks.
9:30
